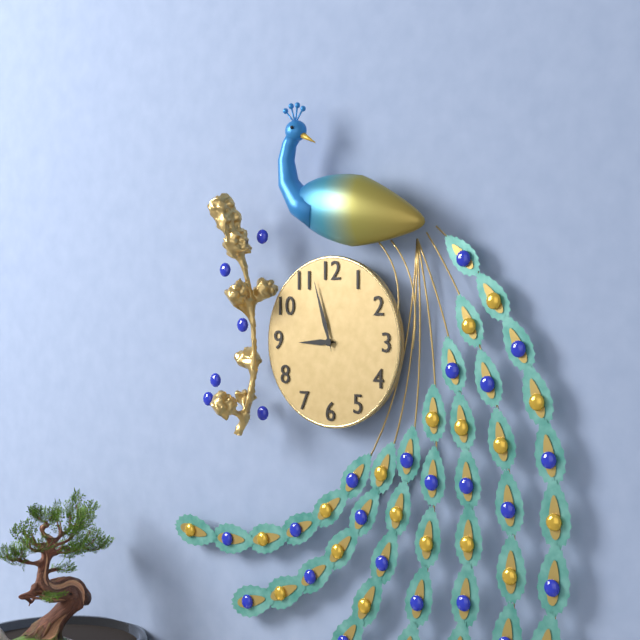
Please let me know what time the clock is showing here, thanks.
8:57
